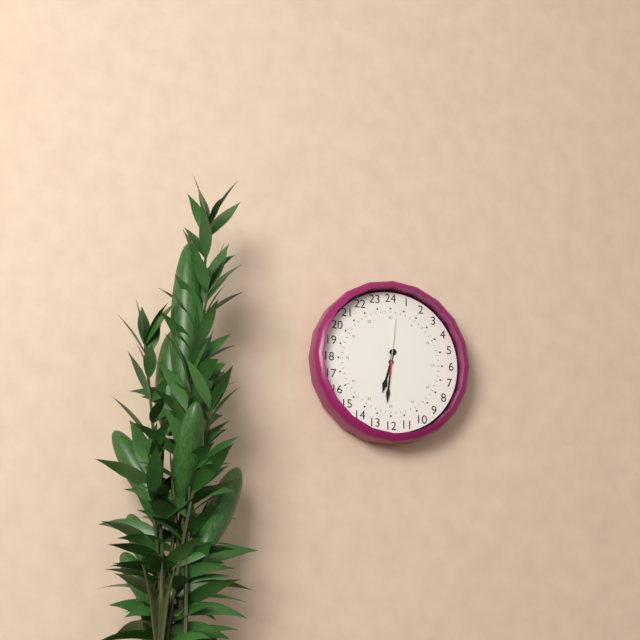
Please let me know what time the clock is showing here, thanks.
6:31:01
